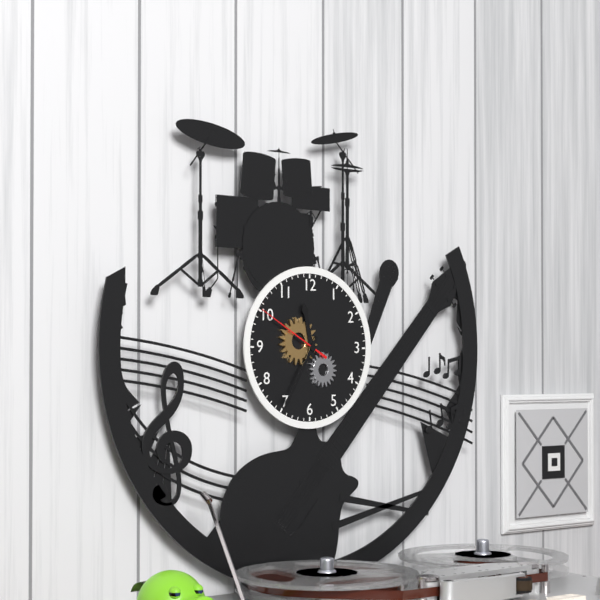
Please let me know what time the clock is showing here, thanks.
11:35:50
